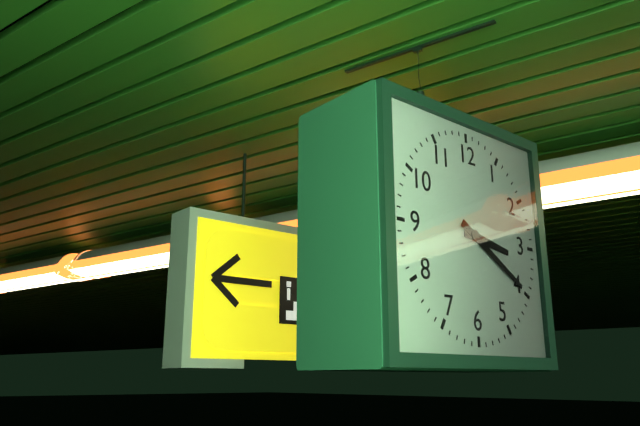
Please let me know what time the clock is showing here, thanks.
3:20
